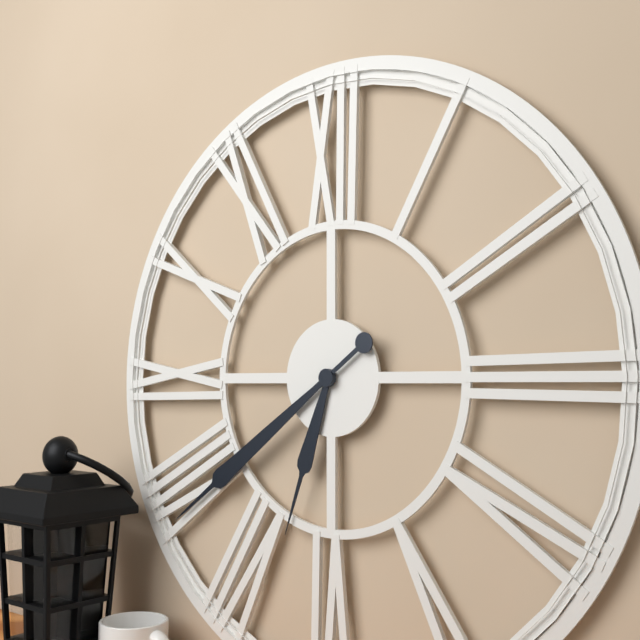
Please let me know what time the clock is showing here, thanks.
6:39
